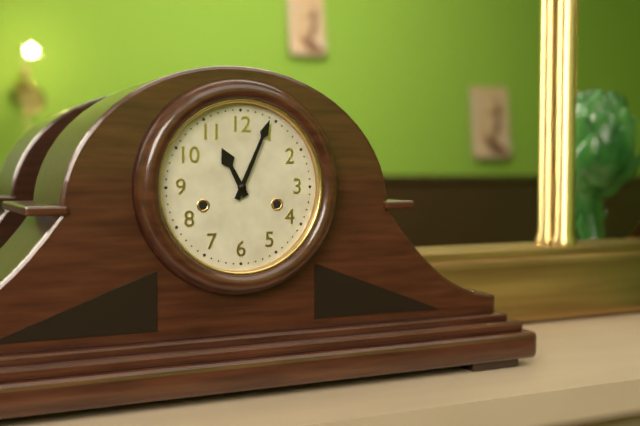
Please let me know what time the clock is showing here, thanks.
11:04
